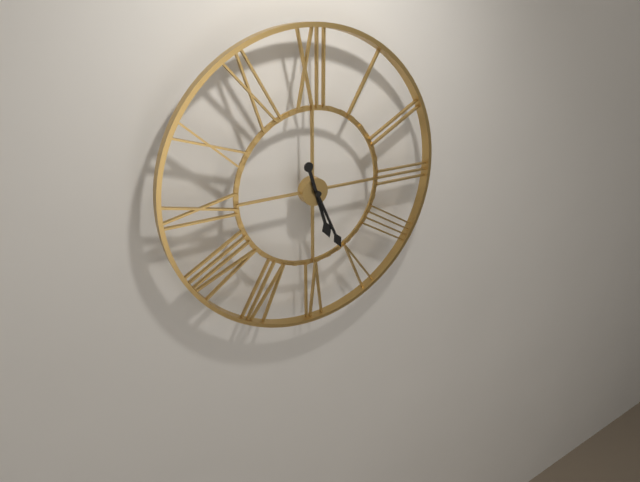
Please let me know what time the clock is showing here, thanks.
5:26
